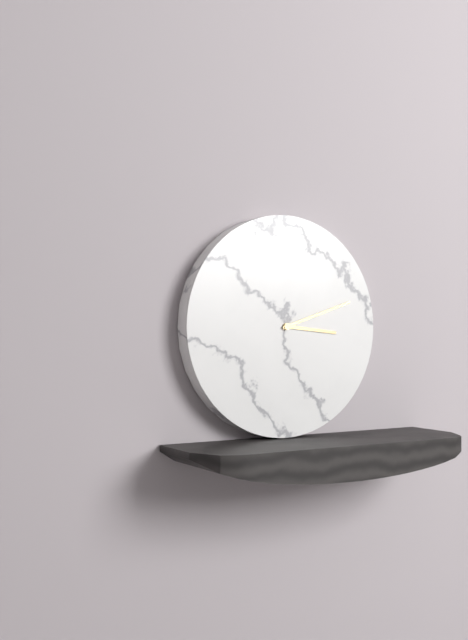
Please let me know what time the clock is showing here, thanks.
3:12
